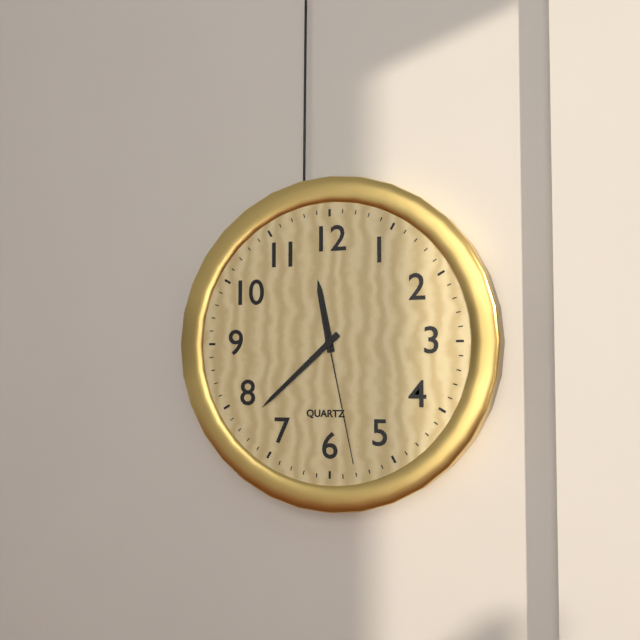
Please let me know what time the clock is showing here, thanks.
11:38:28
